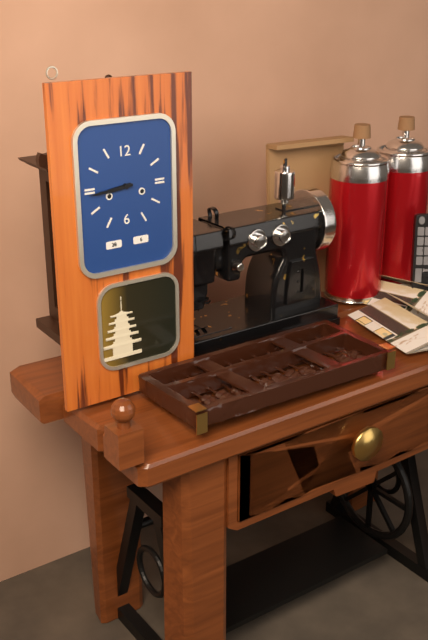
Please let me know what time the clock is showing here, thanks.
8:44
